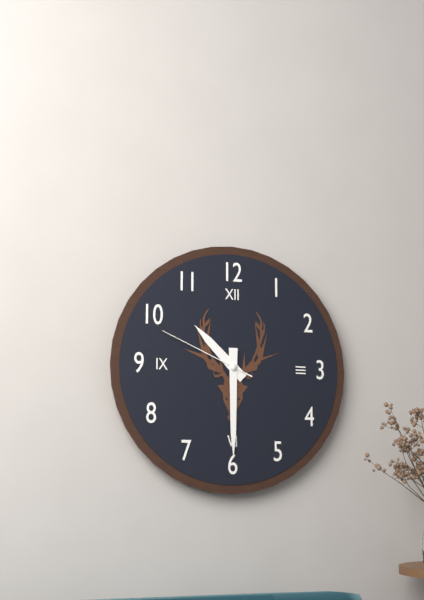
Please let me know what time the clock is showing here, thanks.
10:30:49
